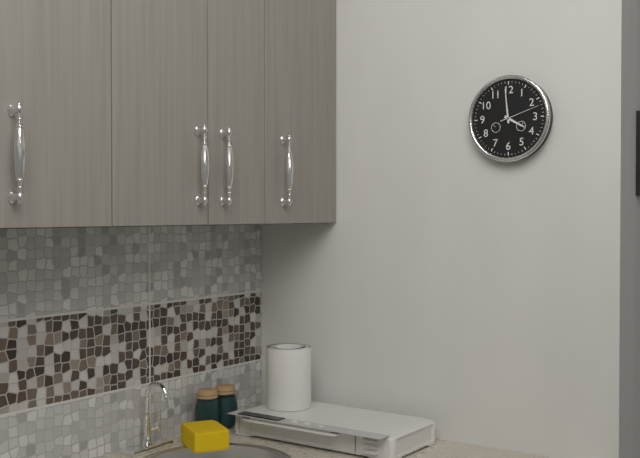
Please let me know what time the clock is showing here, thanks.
3:59
